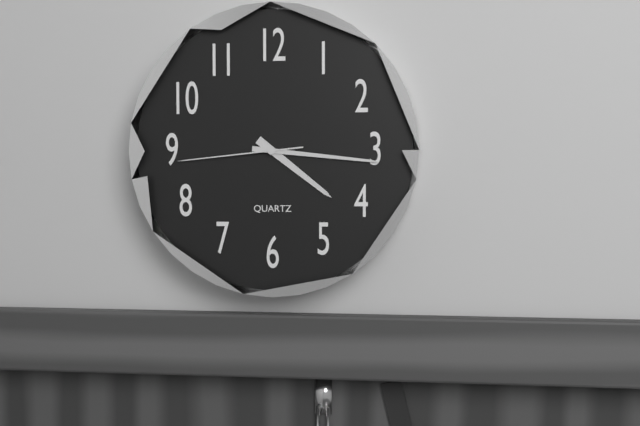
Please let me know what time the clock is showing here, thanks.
4:16:44
